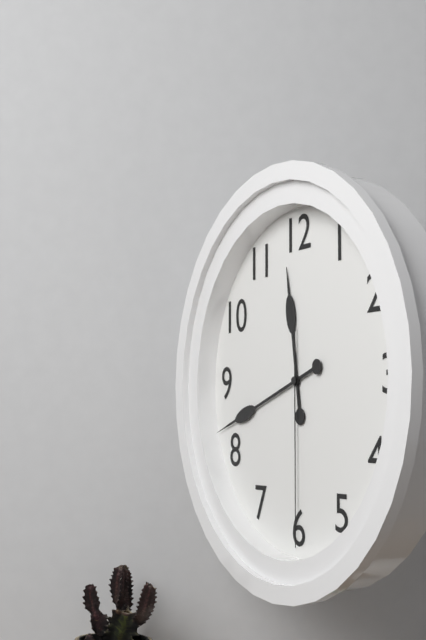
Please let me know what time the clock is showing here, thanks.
11:42:30
